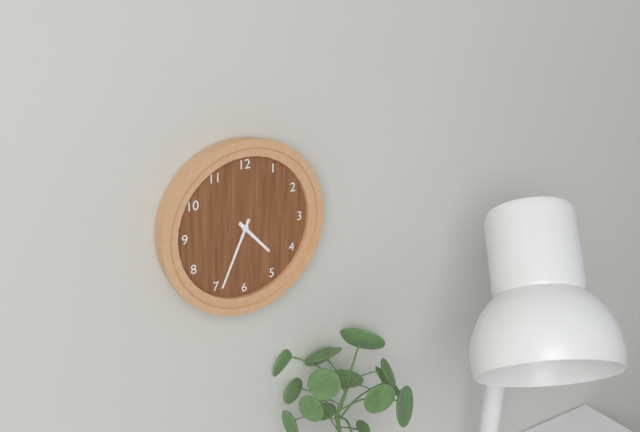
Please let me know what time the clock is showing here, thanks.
4:34
